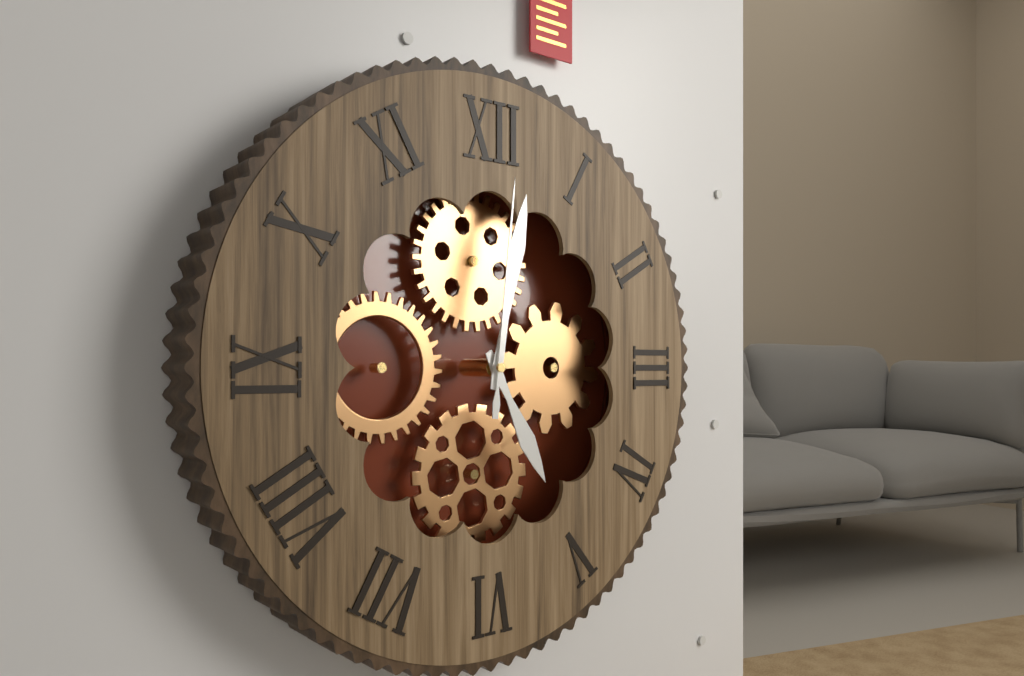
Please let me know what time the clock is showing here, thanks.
5:02:01
